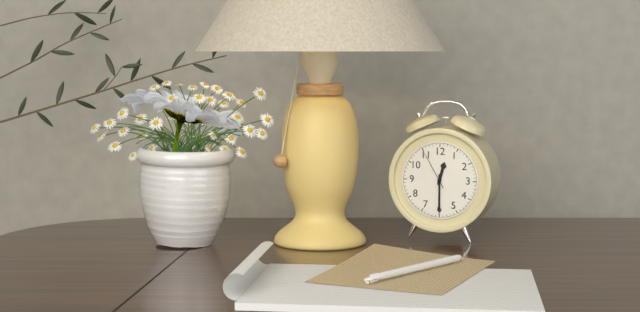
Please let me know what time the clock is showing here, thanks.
12:30
